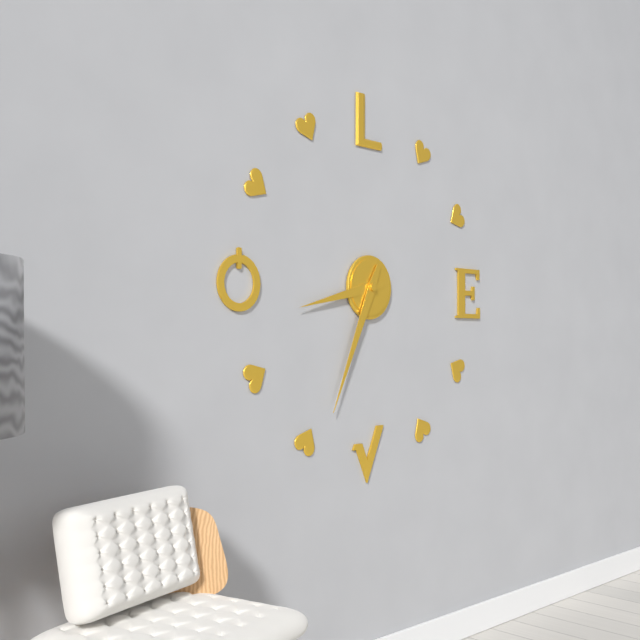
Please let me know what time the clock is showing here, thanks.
8:34
